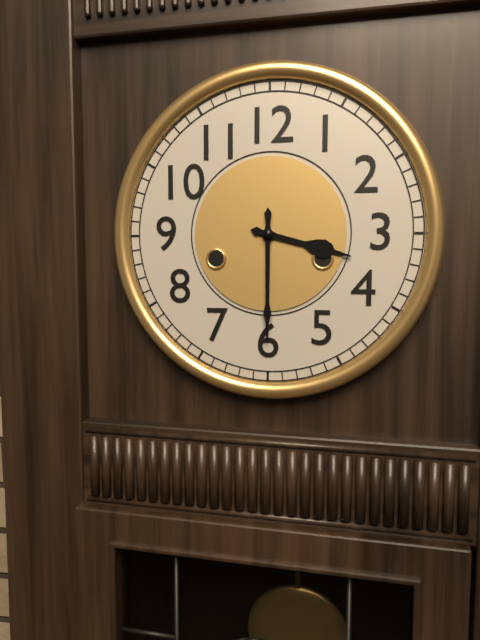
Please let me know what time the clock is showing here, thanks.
3:30
